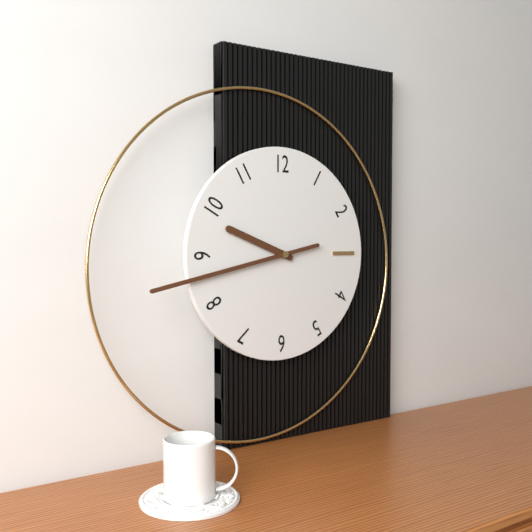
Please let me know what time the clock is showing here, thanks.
9:43
